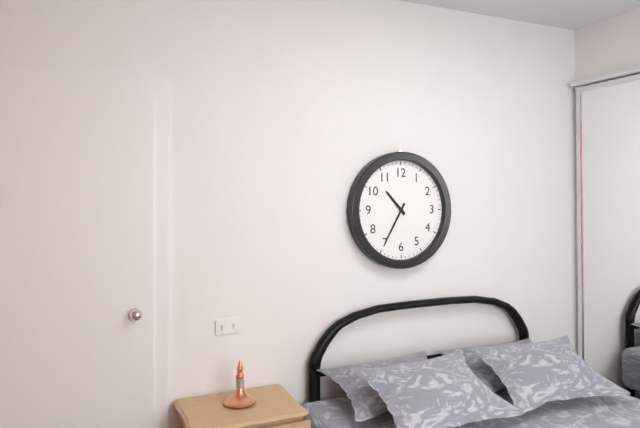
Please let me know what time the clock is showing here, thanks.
10:35
